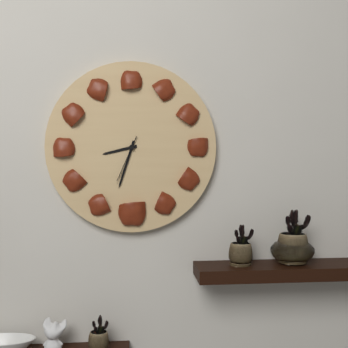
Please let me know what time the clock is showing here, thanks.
8:33
